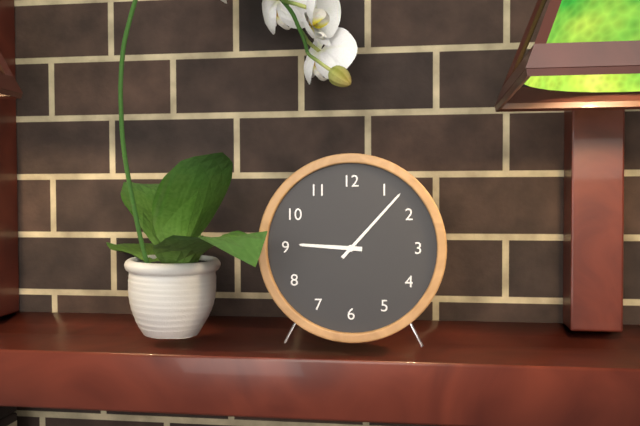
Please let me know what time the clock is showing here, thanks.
9:07
